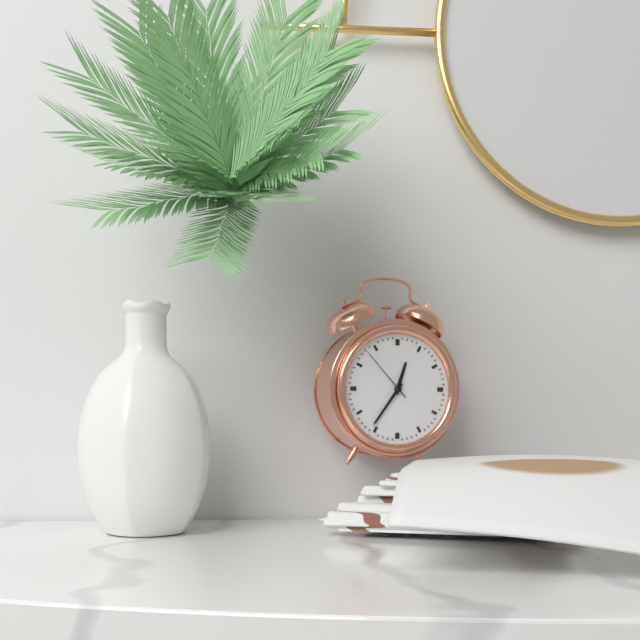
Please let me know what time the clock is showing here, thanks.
12:36:53
